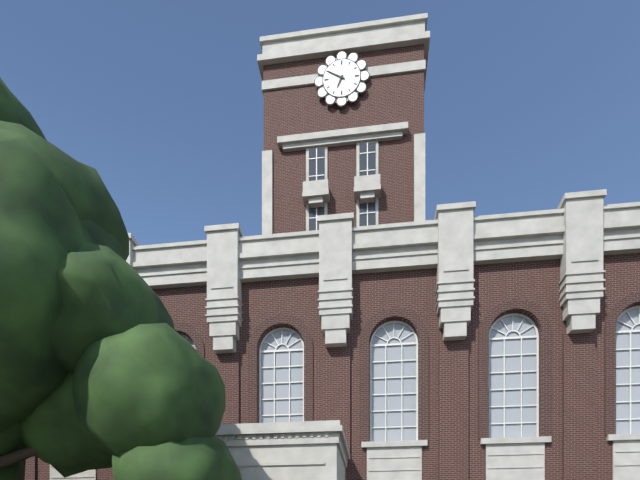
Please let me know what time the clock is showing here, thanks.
6:50
